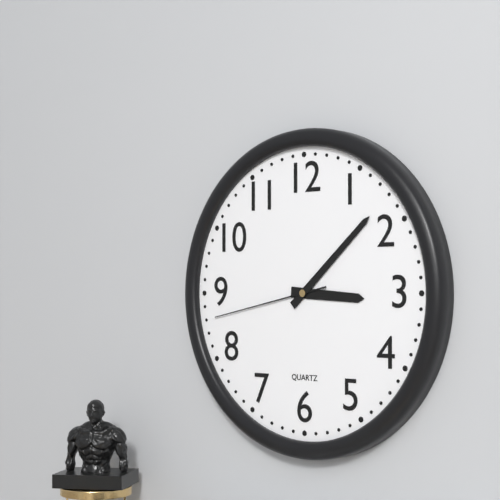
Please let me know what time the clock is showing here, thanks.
3:08:43
